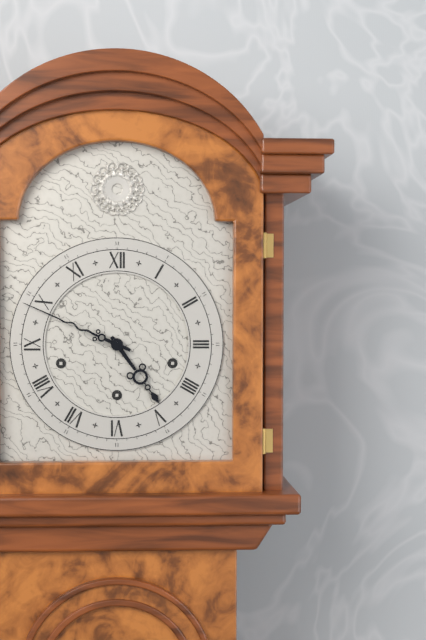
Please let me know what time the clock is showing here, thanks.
4:49
